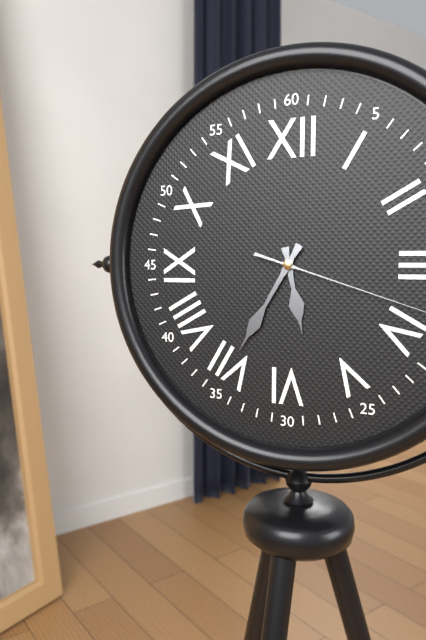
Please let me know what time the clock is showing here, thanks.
5:35
